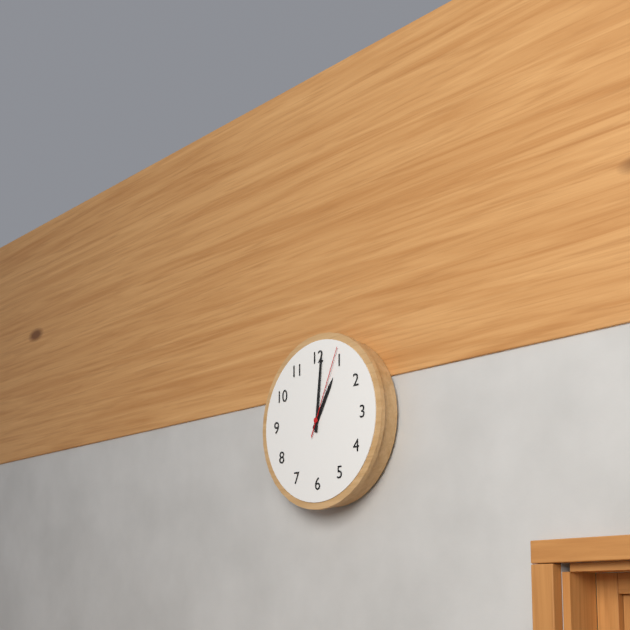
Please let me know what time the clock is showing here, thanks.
1:01:04
